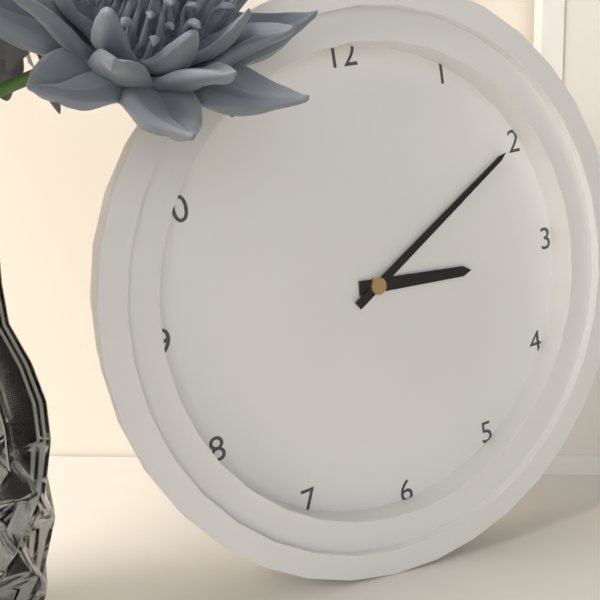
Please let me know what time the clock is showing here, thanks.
3:10
